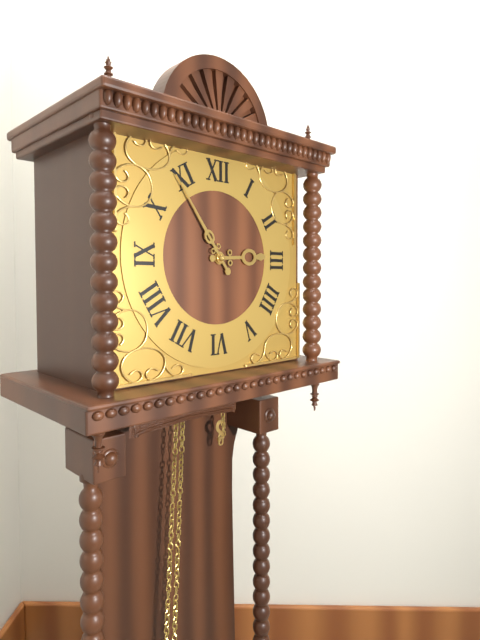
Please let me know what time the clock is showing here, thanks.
2:54
